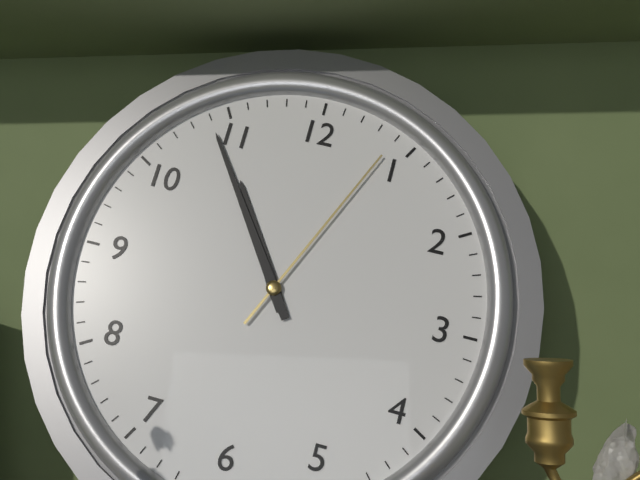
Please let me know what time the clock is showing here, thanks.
10:54:04
